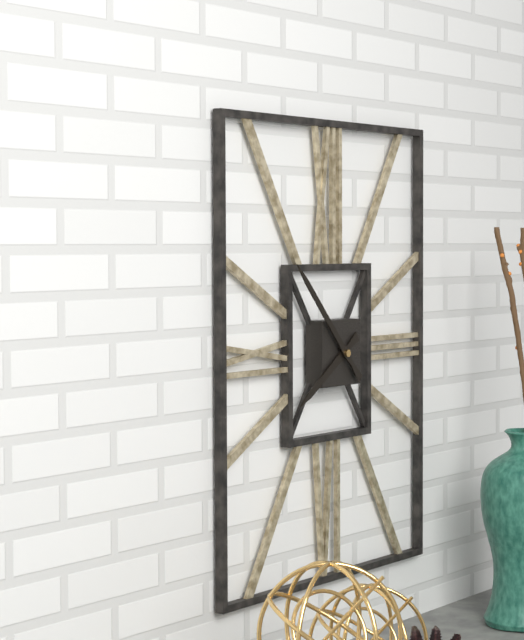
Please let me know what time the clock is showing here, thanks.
7:53
